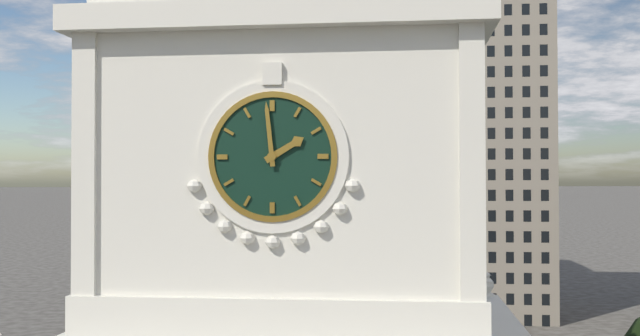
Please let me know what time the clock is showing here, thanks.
1:59
